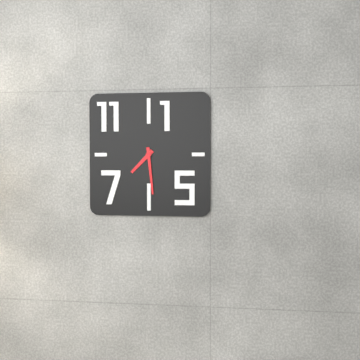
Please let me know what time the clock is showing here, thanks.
7:29
